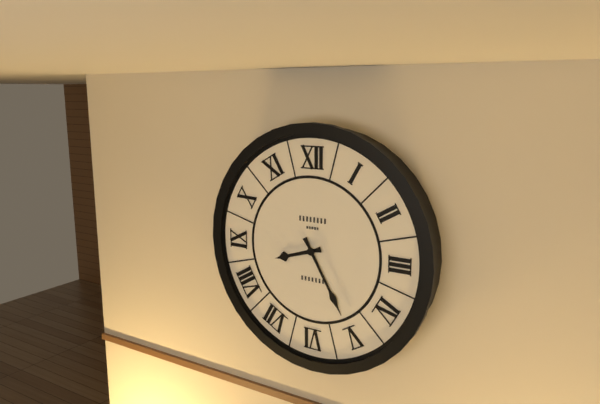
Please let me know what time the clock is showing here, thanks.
8:25
